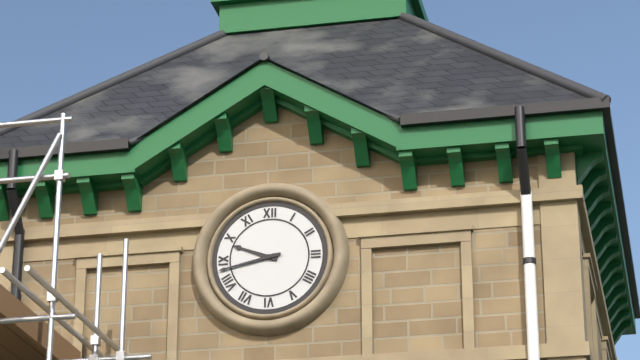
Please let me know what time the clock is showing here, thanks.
9:43
